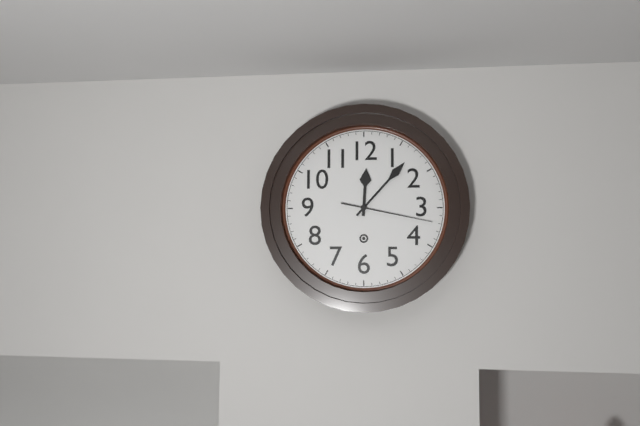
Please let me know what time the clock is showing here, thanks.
12:07:17
